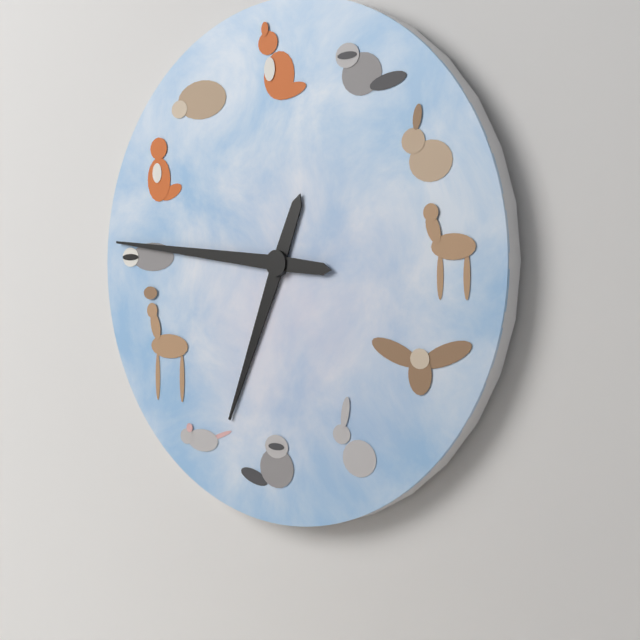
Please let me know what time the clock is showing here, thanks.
6:46
